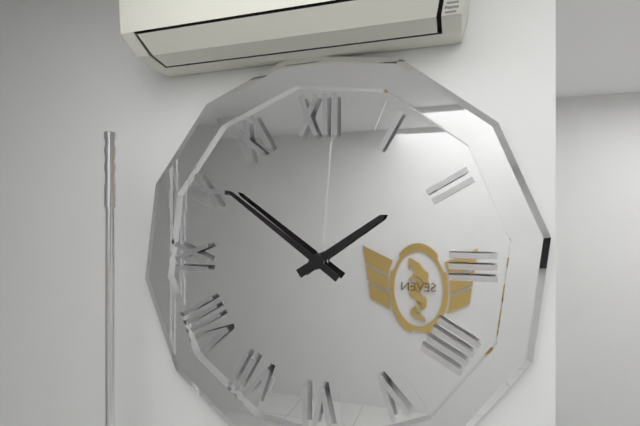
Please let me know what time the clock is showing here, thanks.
1:51
